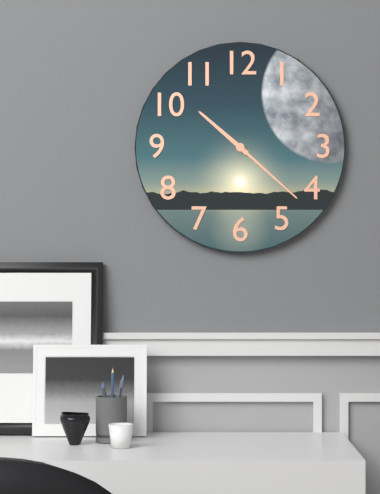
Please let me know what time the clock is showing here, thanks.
10:22
